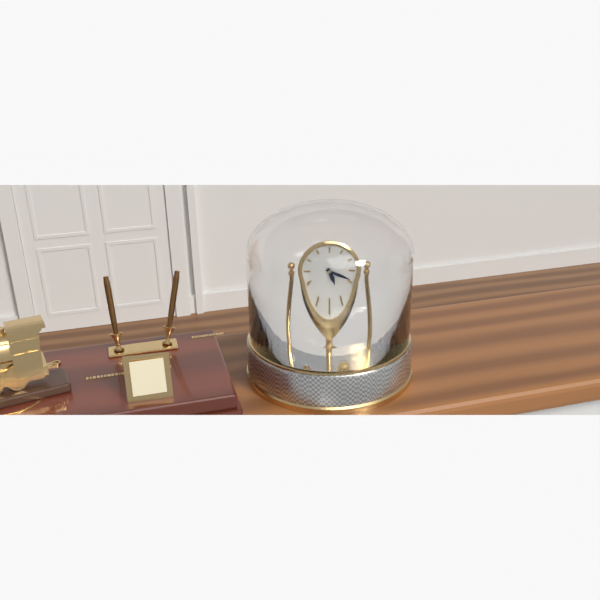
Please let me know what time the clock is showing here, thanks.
5:19
